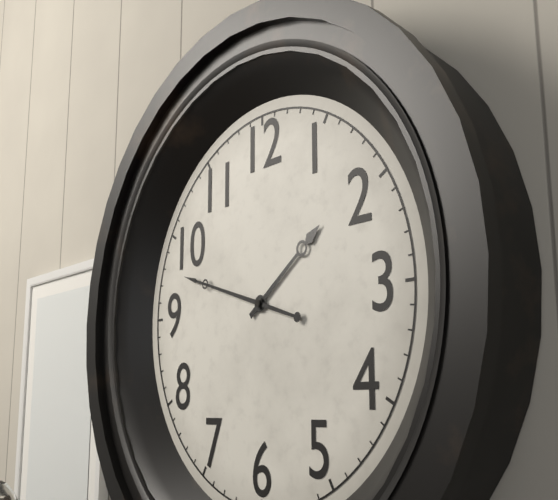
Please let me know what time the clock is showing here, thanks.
1:48
